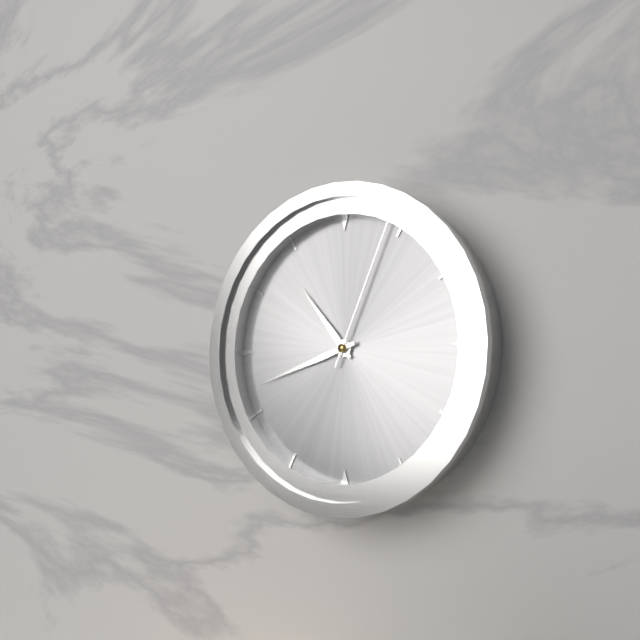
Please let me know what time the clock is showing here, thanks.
10:42:04
